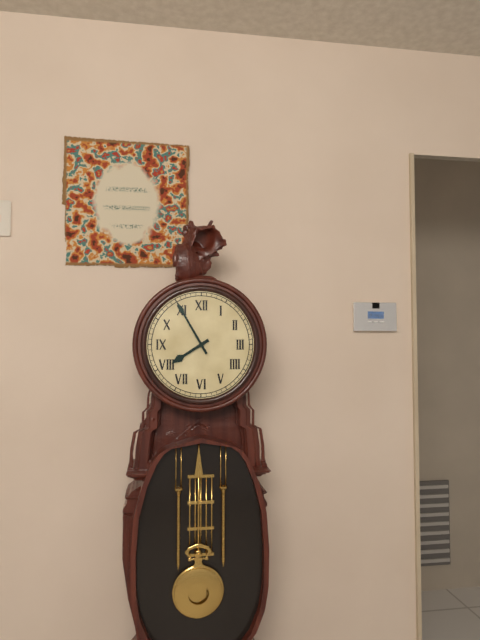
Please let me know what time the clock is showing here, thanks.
7:55
